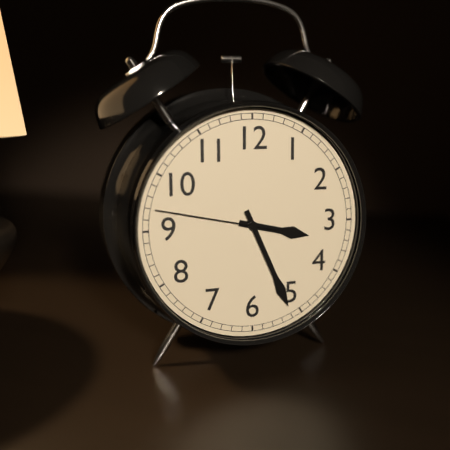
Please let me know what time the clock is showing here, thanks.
3:26:47
